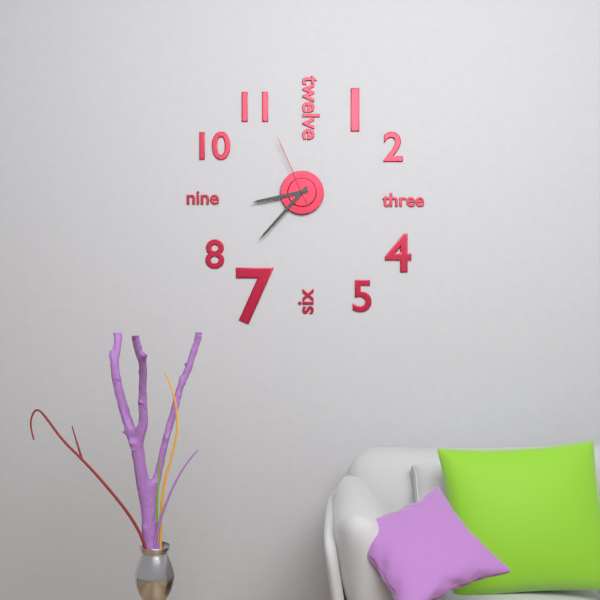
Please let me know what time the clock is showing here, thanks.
8:37:56
